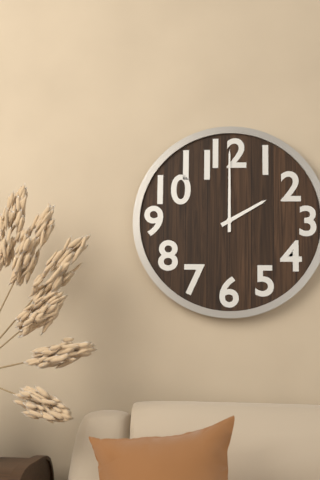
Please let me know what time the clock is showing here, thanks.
2:00
